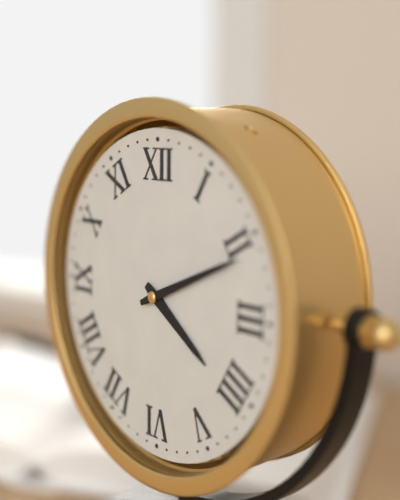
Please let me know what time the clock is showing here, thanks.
4:11
